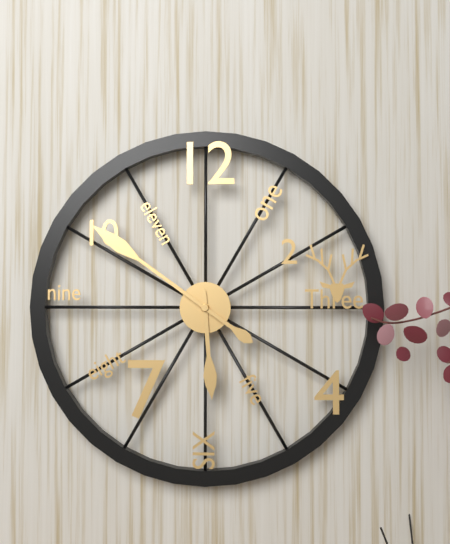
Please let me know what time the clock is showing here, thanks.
5:51
